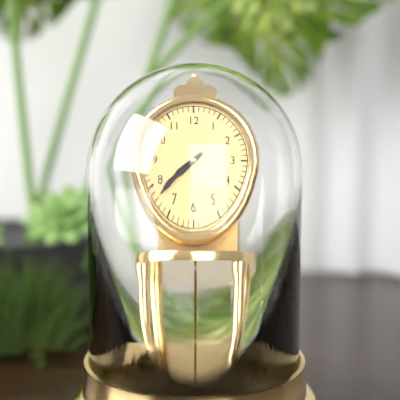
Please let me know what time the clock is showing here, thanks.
7:38
